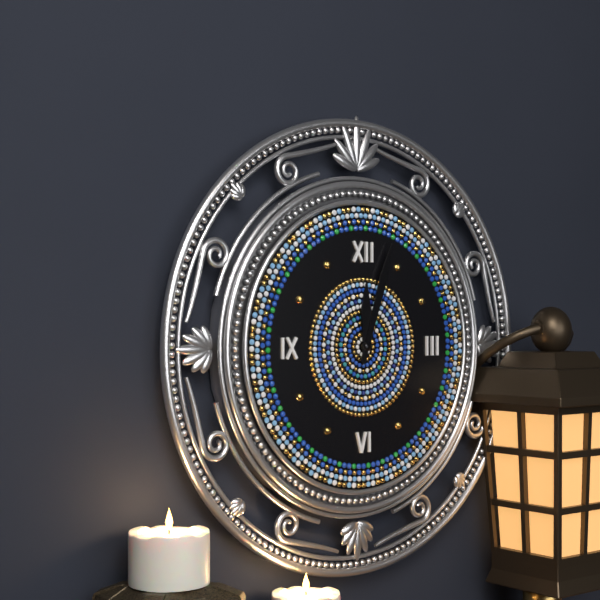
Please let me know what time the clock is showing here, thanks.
12:03
